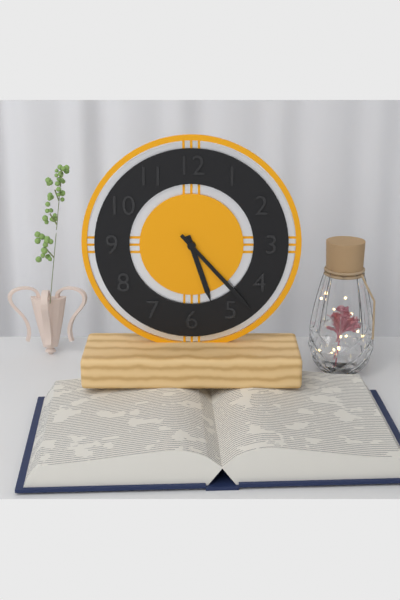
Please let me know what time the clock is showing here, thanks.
5:23
